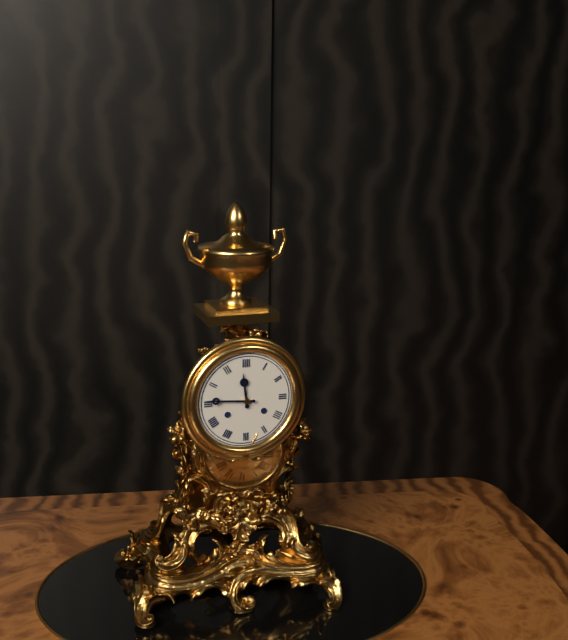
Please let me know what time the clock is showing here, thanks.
11:46
